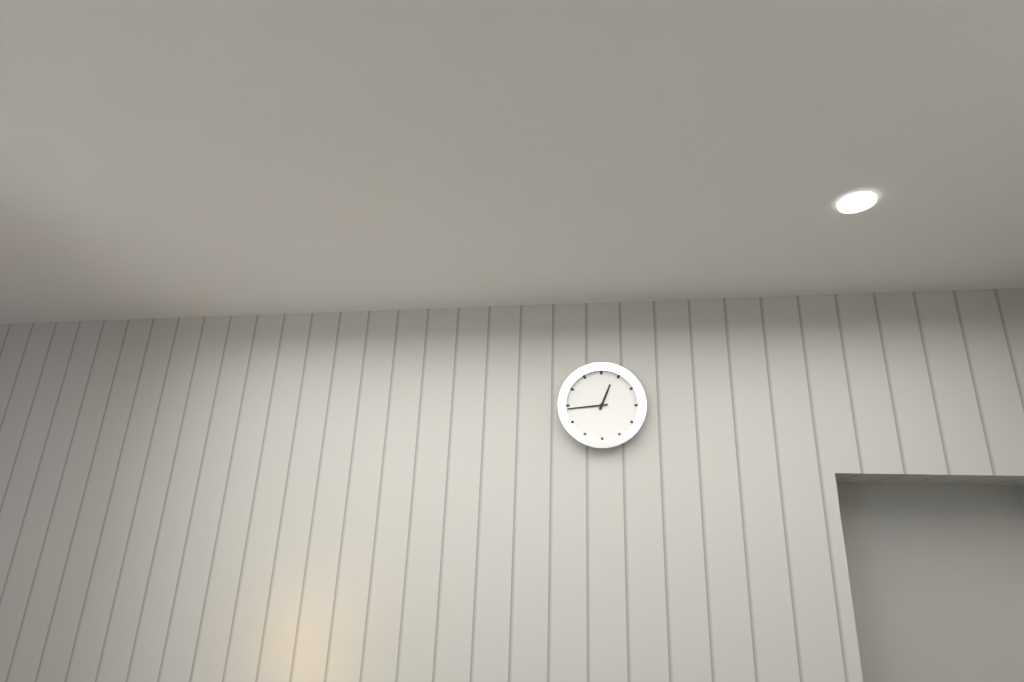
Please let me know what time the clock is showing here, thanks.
12:44
